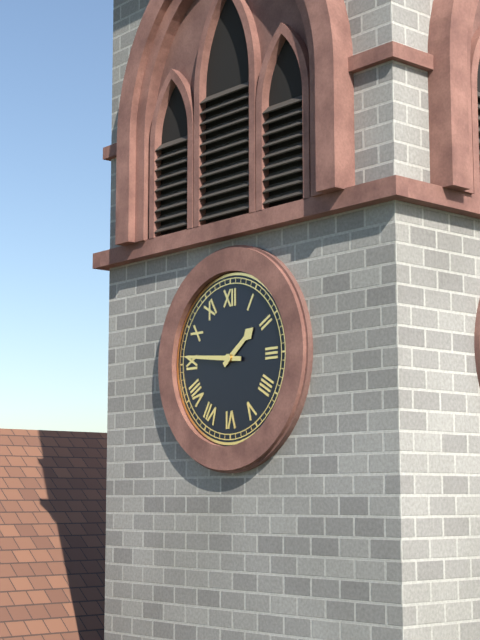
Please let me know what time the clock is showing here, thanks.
1:46
